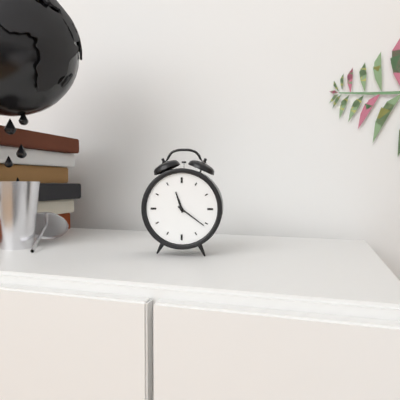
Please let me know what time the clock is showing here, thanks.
11:21
